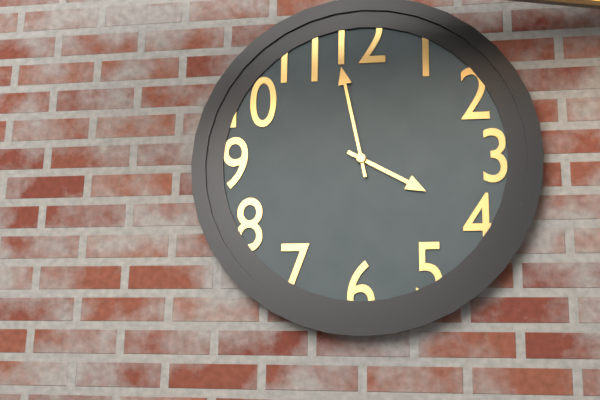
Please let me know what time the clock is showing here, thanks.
3:58
